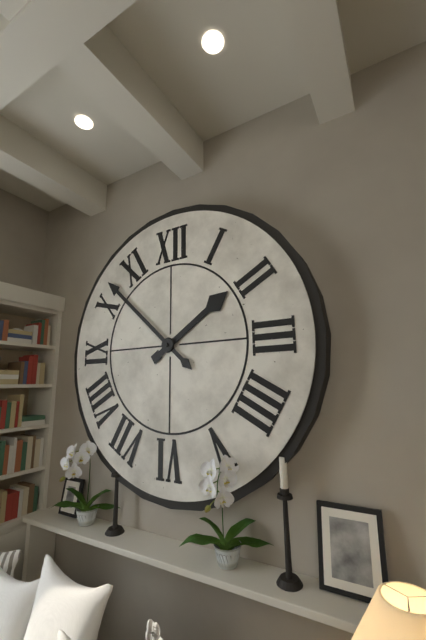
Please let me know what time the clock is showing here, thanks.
1:52
